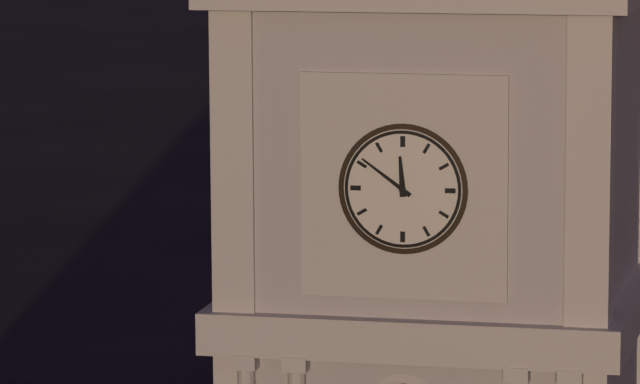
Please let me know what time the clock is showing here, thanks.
11:51
